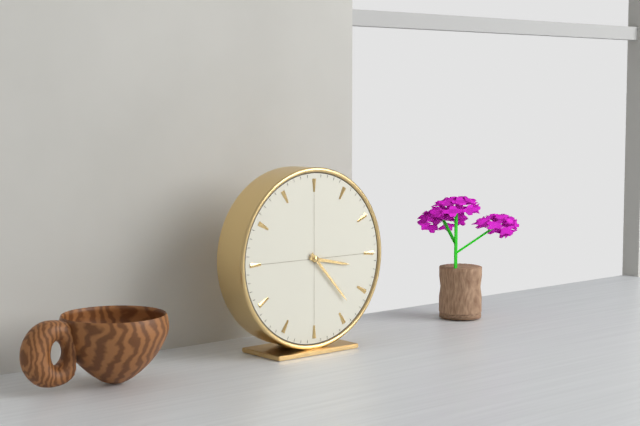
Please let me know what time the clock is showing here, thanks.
3:23
